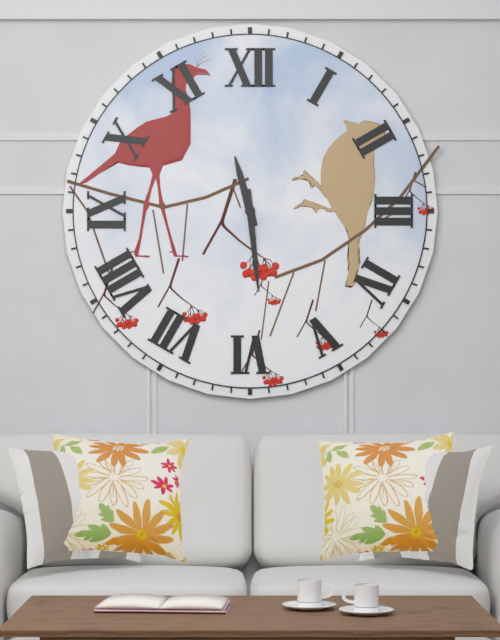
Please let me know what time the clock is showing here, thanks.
11:29
